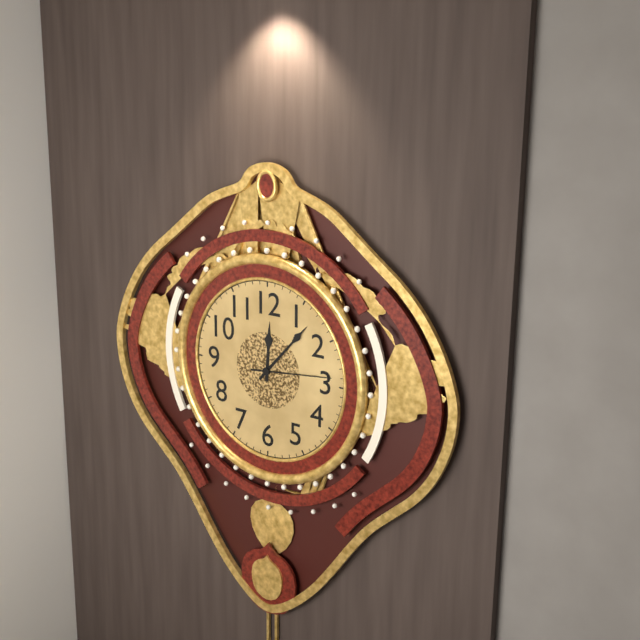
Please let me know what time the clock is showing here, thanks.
12:07:14
